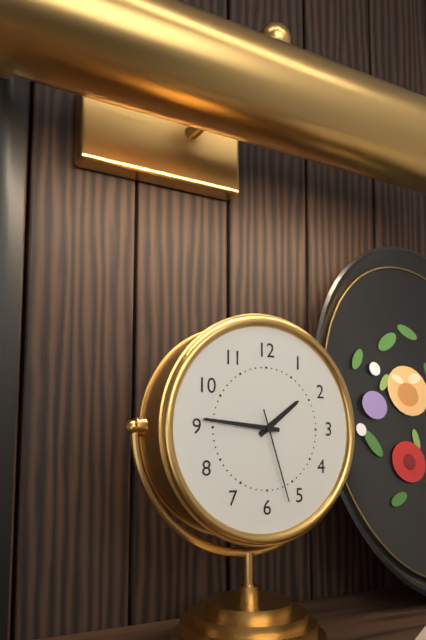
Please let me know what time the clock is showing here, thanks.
1:46:27
